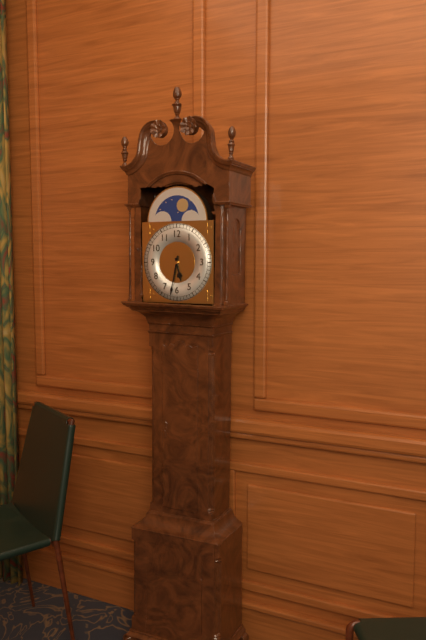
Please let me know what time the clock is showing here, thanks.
5:32
